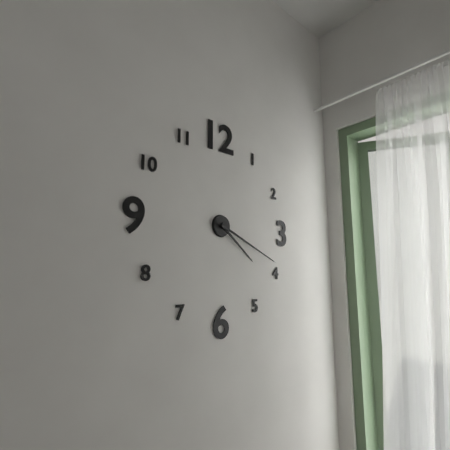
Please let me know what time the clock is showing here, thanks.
4:19
